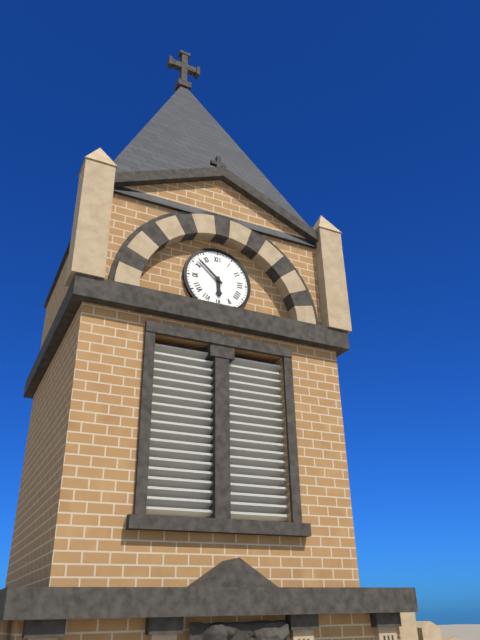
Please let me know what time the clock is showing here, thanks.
5:52
